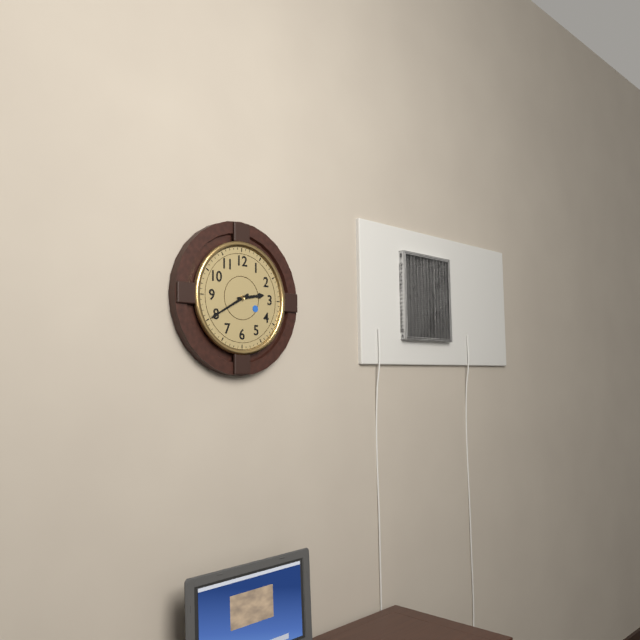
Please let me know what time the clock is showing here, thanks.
2:40
